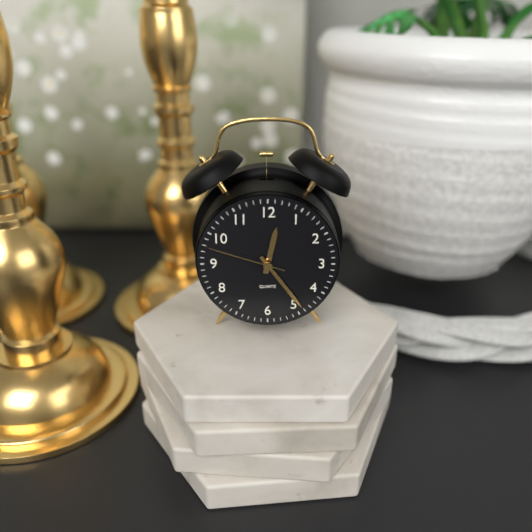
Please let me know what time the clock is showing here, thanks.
12:24:48
